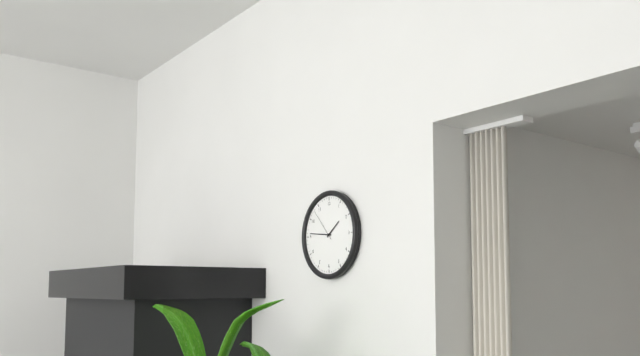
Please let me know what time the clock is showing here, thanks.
1:46
